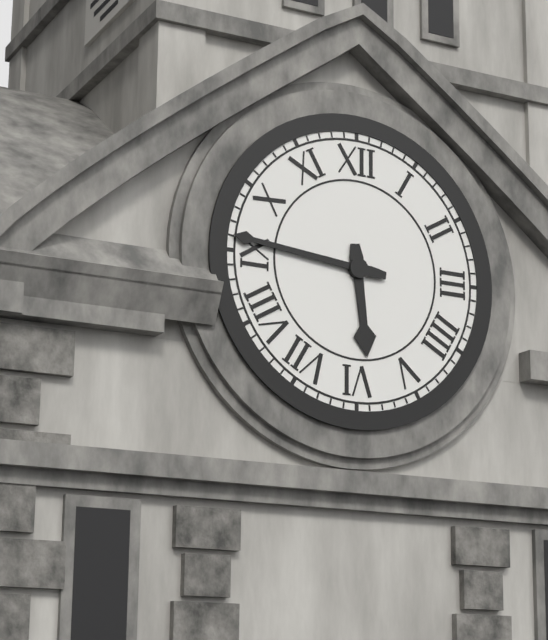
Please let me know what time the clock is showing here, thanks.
5:46
